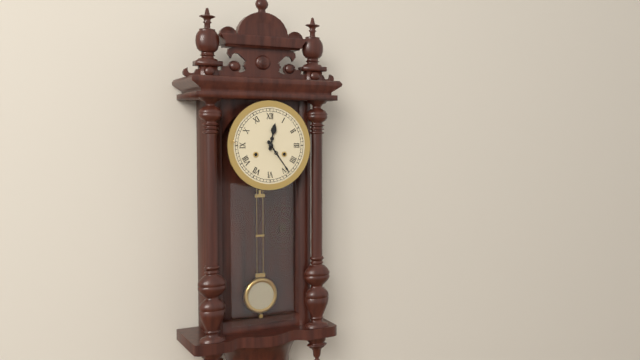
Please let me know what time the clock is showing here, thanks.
12:24
